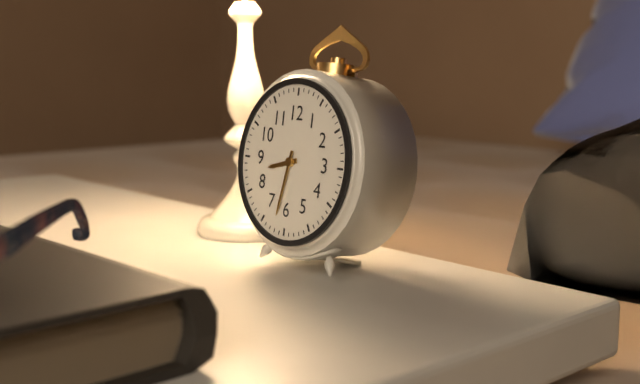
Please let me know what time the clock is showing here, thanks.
8:32
